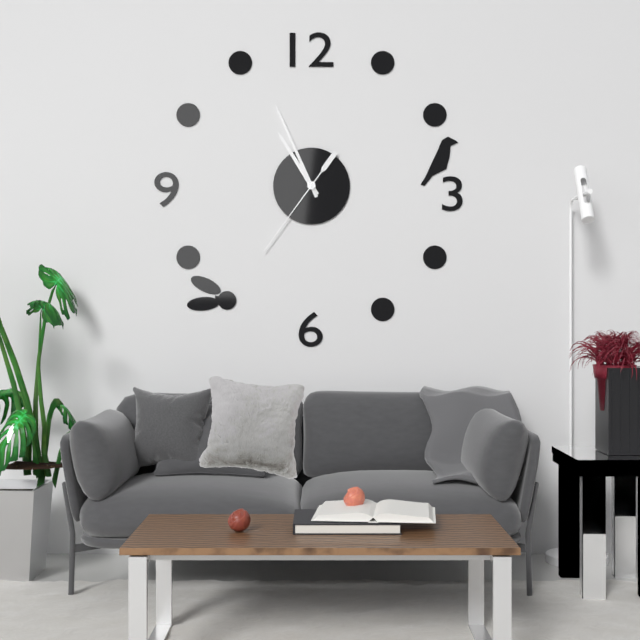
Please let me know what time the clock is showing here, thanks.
10:56:36
